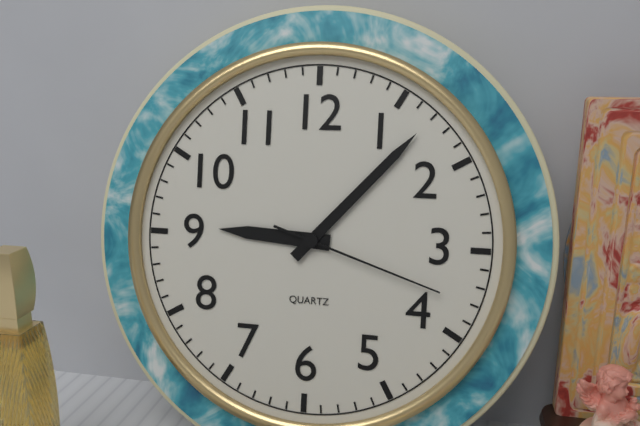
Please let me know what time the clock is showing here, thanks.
9:07:18
